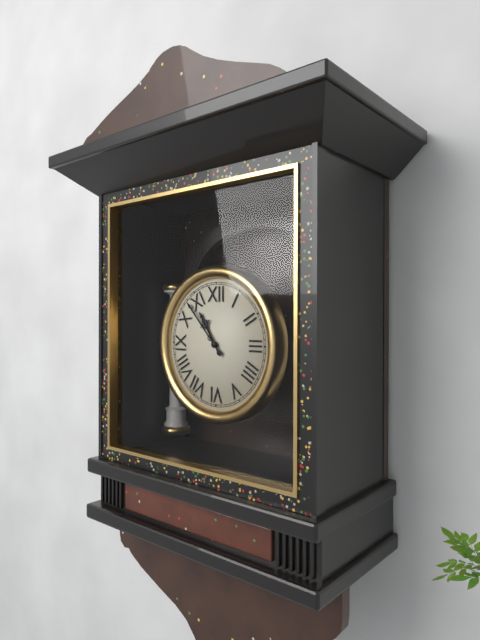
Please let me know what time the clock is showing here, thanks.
10:53
